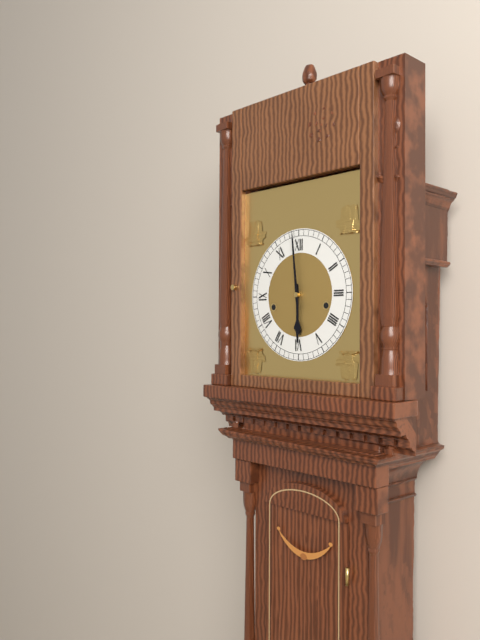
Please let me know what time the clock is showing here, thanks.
5:59
